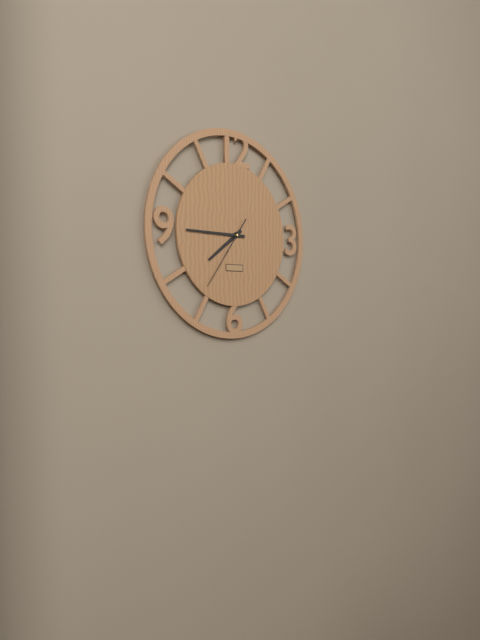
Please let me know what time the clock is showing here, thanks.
7:45:36
